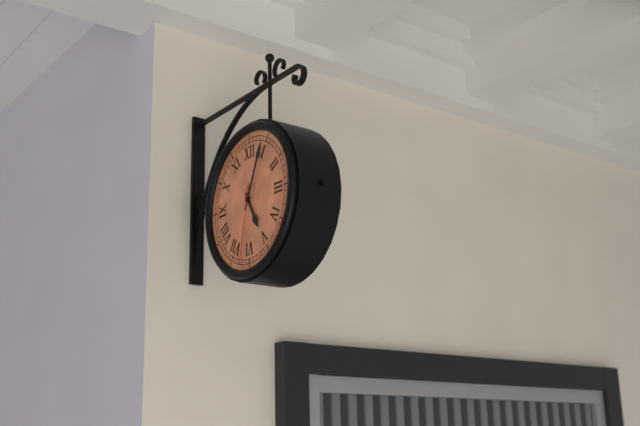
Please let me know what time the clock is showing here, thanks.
5:04:32
